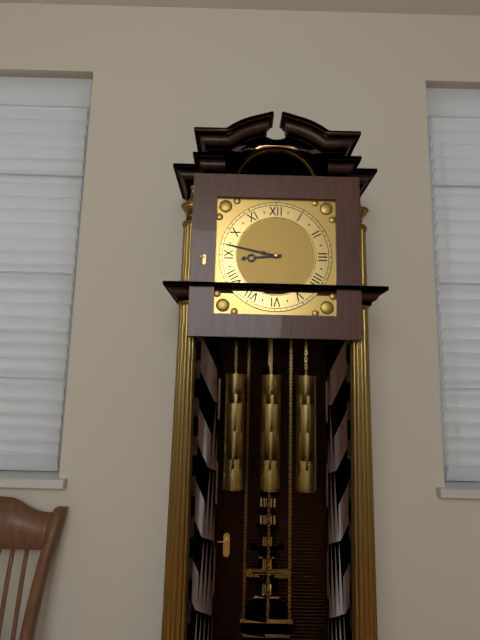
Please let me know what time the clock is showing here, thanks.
8:47
